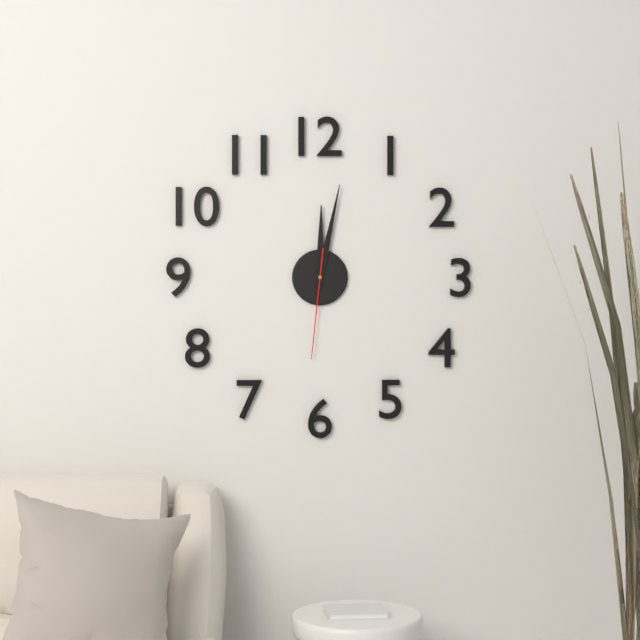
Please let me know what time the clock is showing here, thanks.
12:02:31
